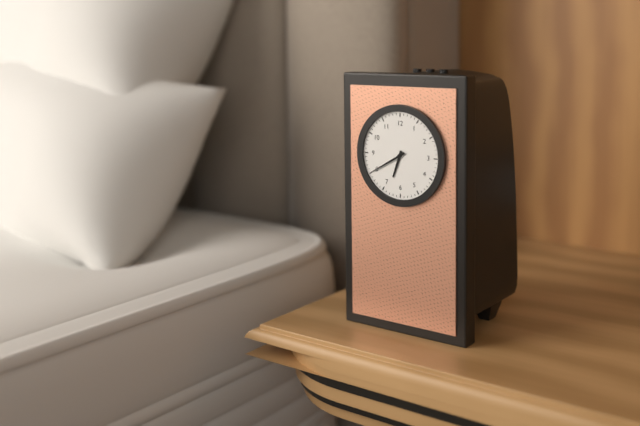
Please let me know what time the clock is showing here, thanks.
6:40
